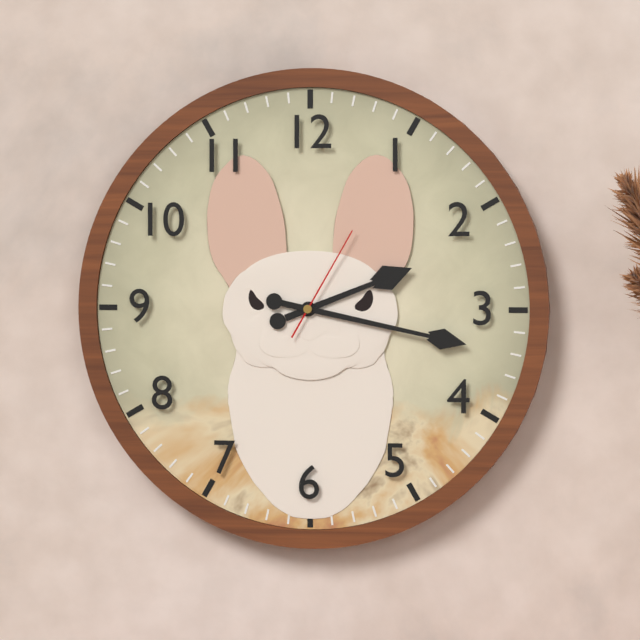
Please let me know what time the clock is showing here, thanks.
2:17:05
